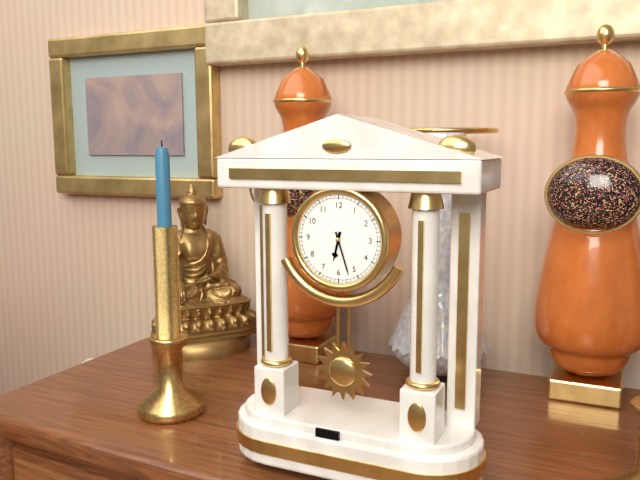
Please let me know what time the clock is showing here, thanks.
6:27
